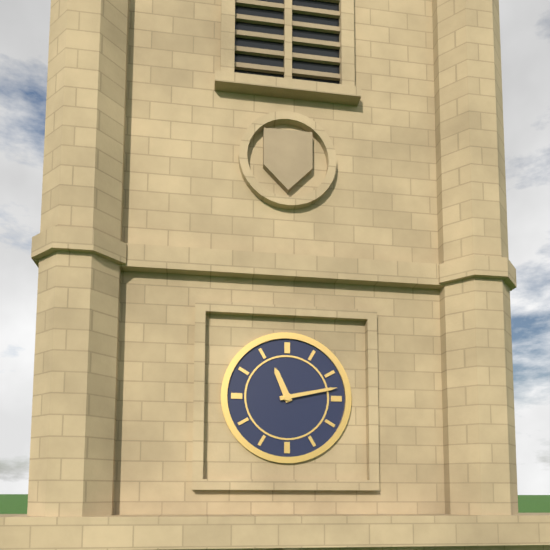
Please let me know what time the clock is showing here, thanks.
11:13
